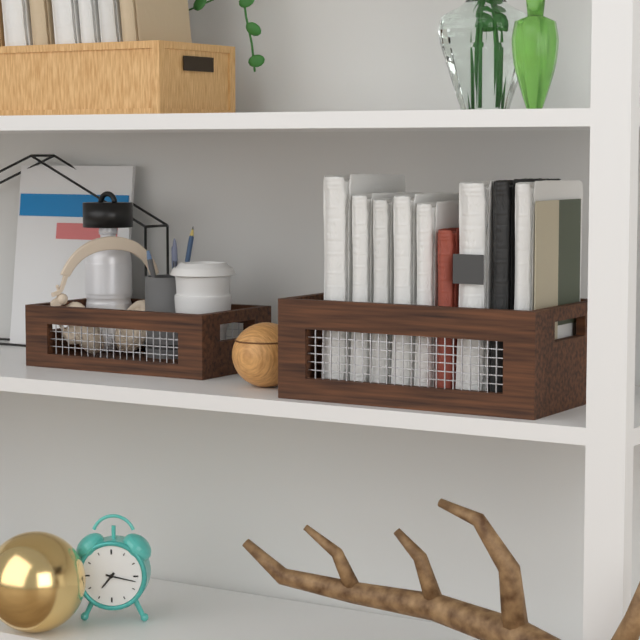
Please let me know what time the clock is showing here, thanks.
7:17
